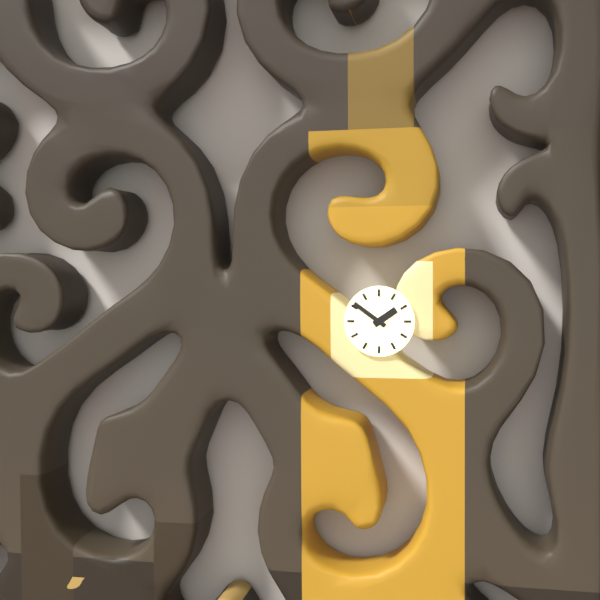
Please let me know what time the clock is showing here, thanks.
1:51
